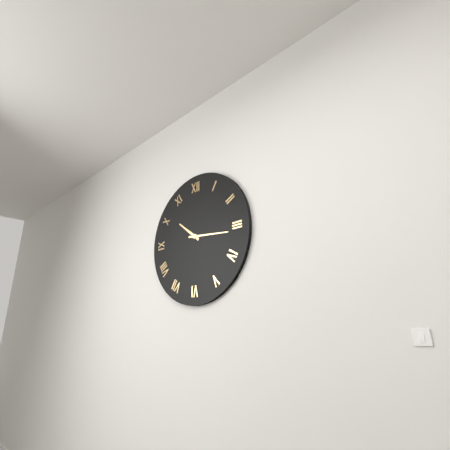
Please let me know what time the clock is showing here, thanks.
10:16
